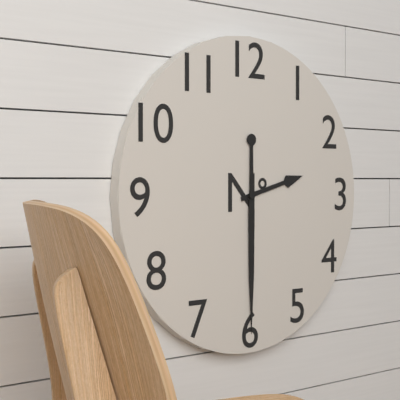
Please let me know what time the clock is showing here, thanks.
2:30
